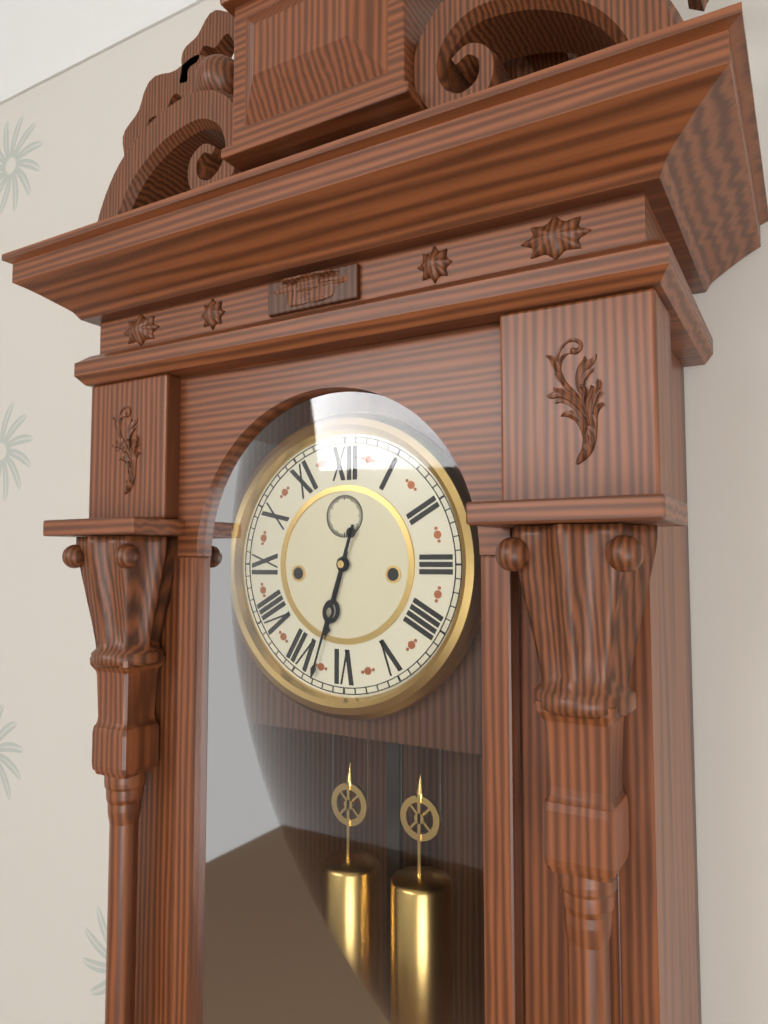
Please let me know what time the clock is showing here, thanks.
6:33
